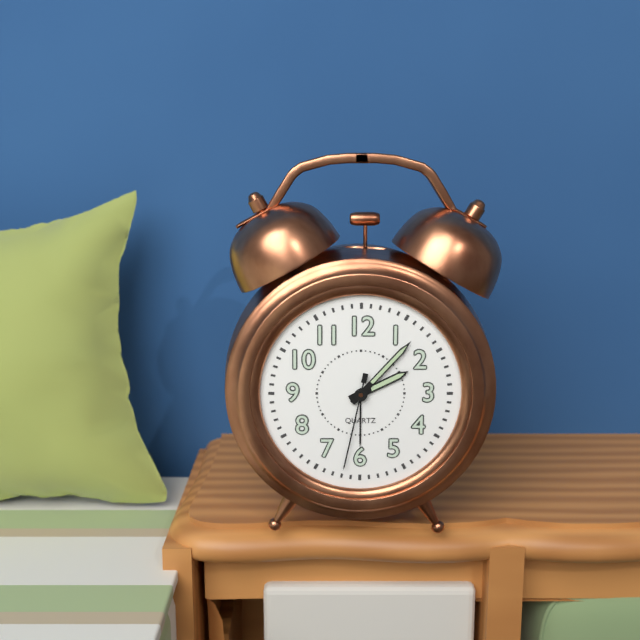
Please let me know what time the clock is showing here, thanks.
2:07:32
